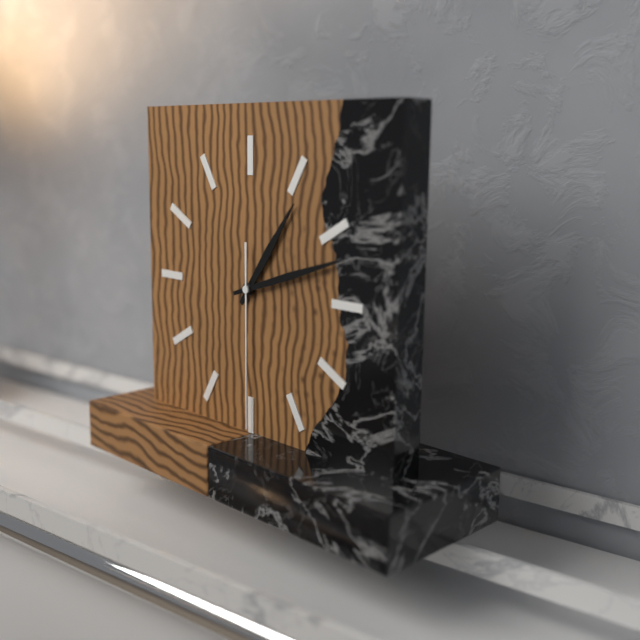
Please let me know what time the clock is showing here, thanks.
1:12:30
